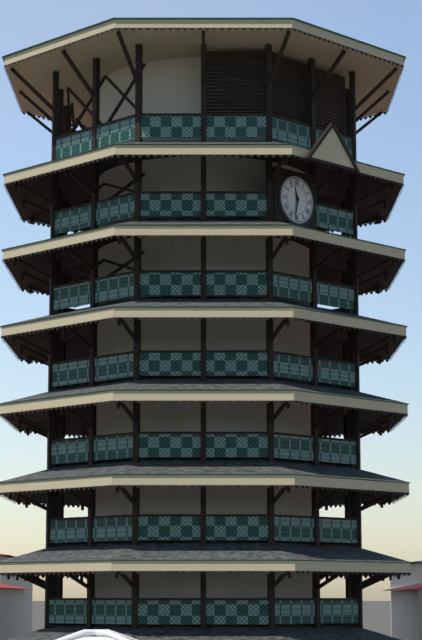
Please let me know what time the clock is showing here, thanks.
11:32
